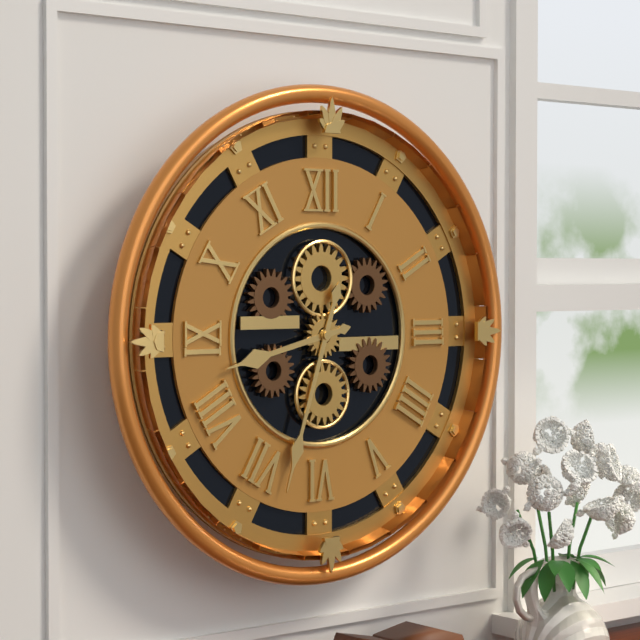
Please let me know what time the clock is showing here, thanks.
8:33
